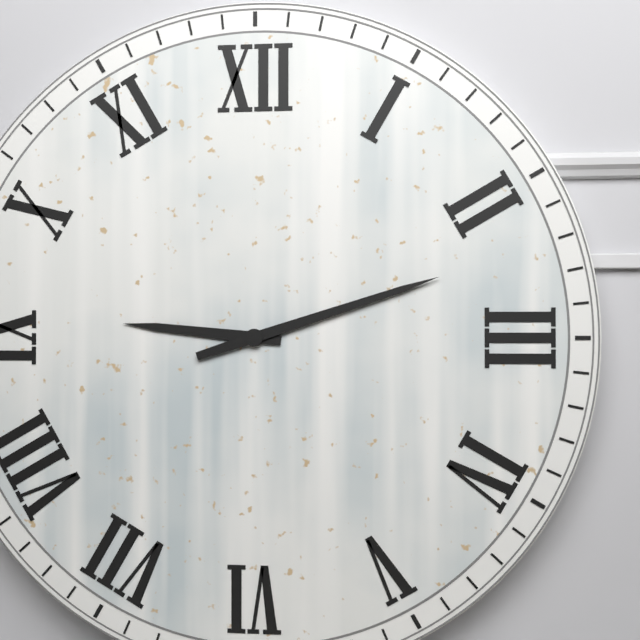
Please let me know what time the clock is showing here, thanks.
9:12
